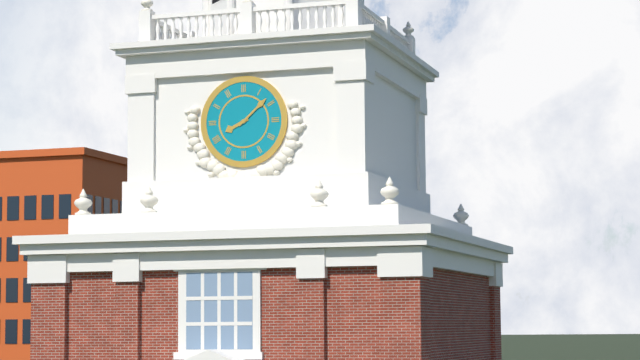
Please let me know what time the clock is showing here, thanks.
8:08
